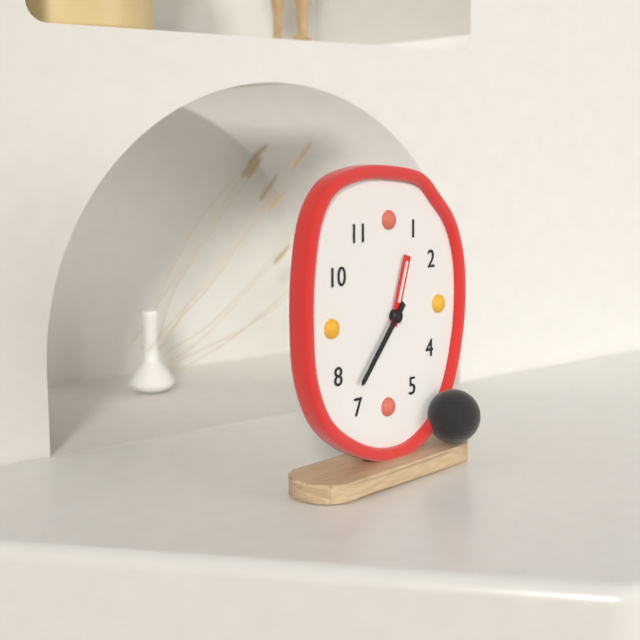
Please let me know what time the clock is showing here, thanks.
12:37
